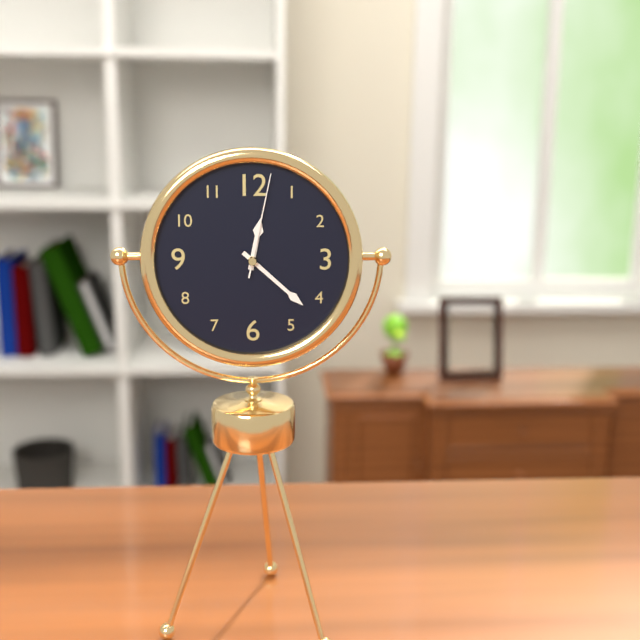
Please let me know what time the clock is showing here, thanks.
12:22:02
